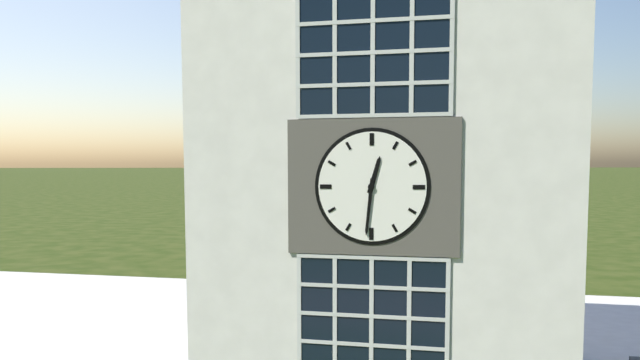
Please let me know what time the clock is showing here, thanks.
12:31
